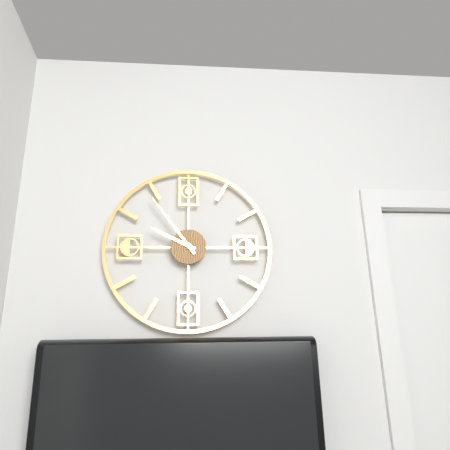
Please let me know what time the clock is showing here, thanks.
9:54
